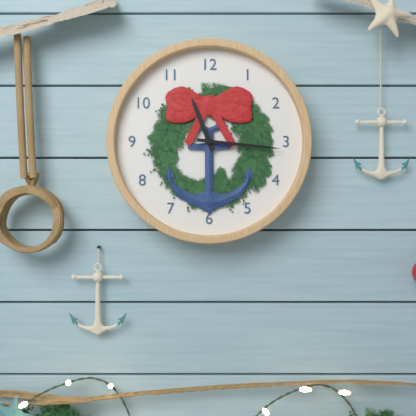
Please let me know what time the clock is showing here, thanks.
11:16
